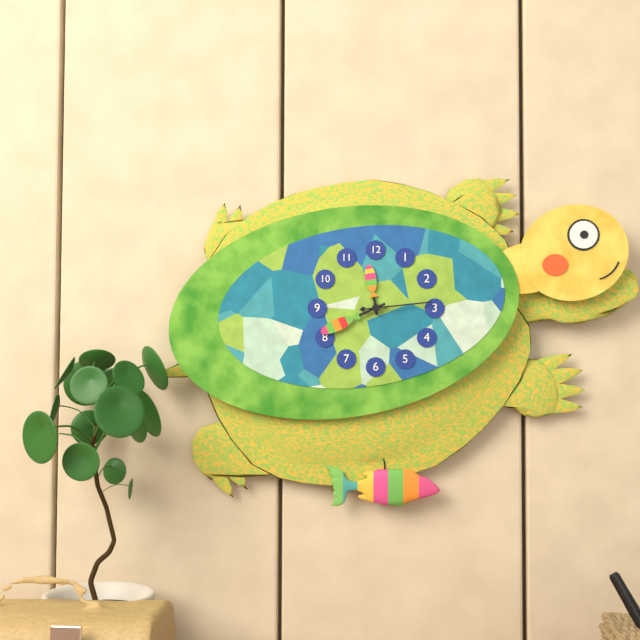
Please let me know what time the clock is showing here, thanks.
11:41:14
